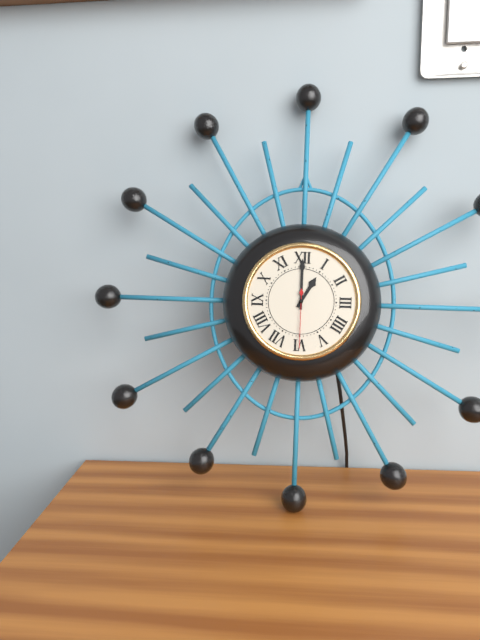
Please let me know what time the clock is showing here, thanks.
1:00:30
